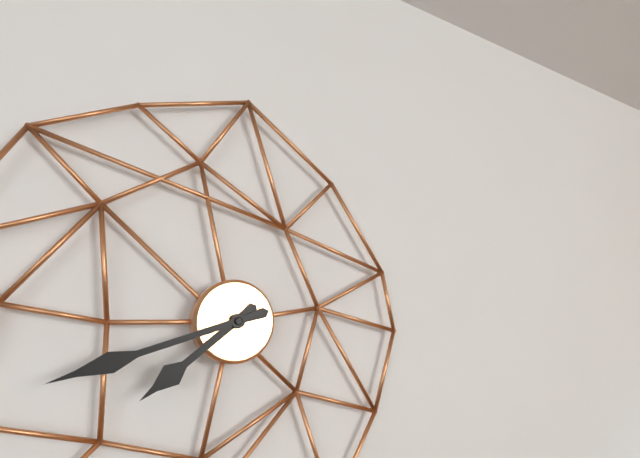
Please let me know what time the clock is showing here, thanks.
7:42
